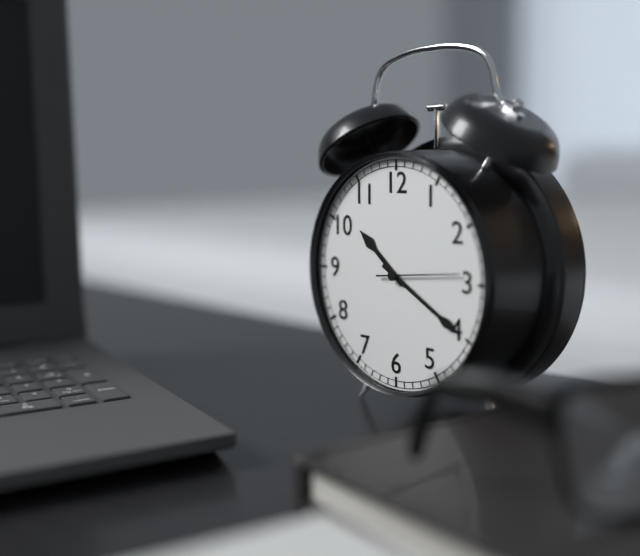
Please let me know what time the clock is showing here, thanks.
10:20:14
